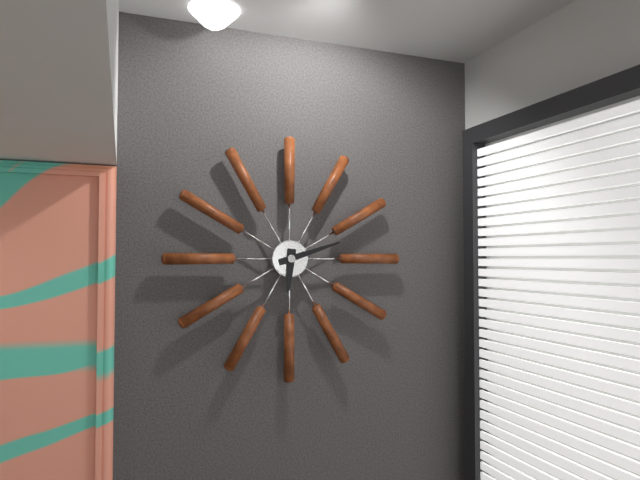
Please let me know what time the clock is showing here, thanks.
6:12
